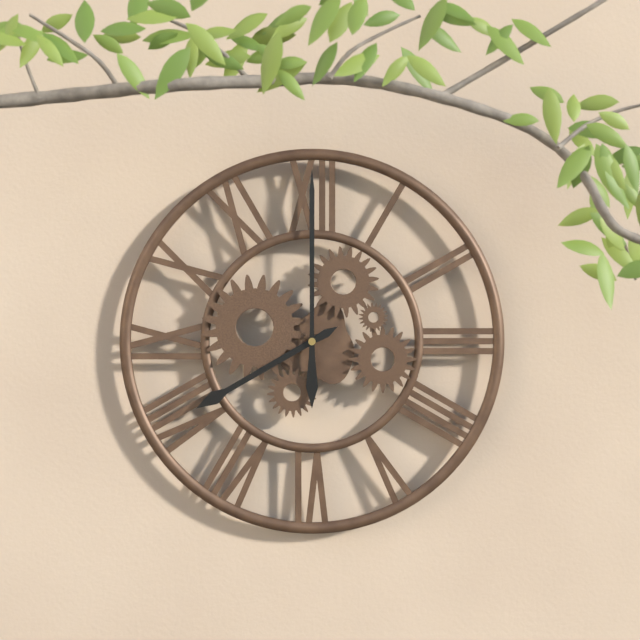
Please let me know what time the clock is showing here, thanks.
8:00
